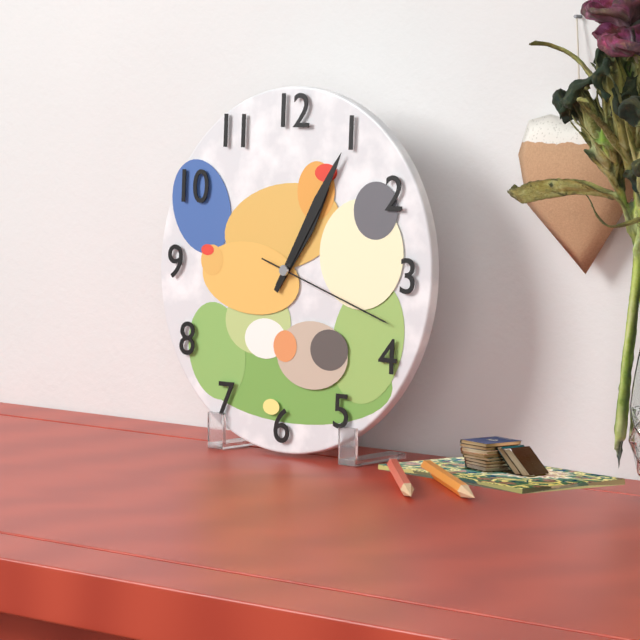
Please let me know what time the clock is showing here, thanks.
1:05:18
